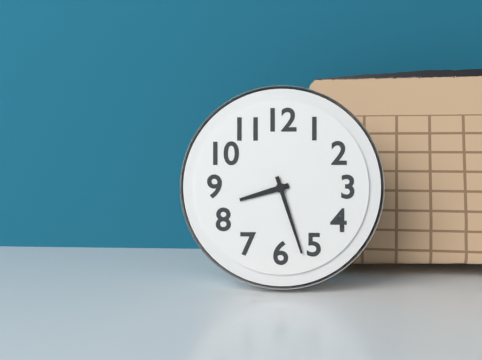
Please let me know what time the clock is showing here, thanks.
8:27
